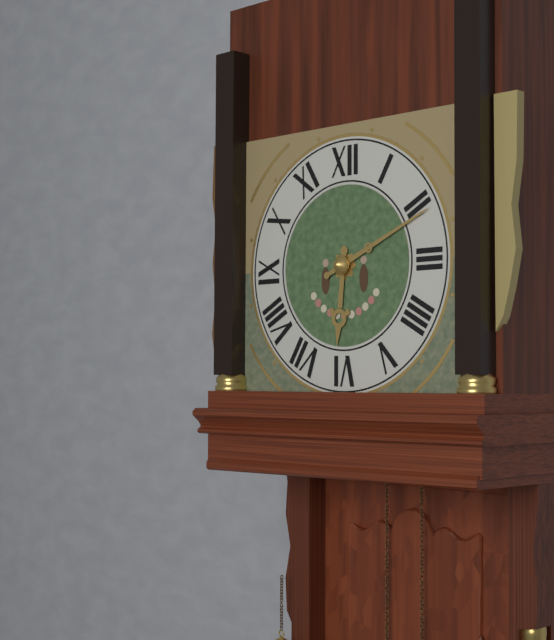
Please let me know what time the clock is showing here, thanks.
6:11
